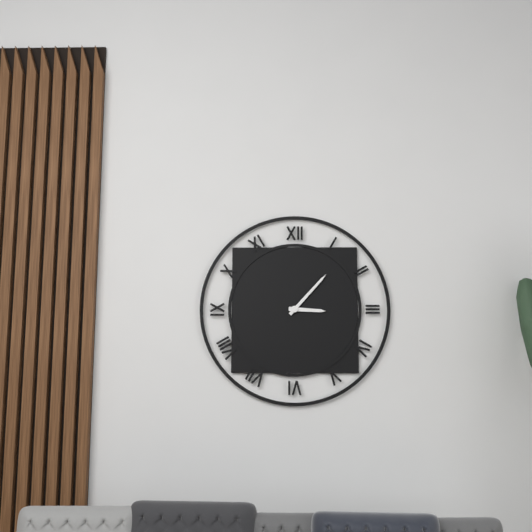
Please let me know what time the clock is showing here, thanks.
3:07
